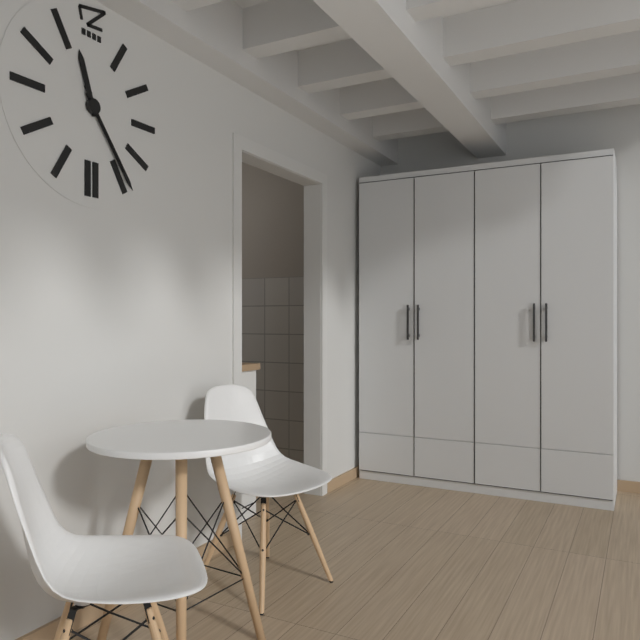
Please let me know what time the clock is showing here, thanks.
11:24:24
